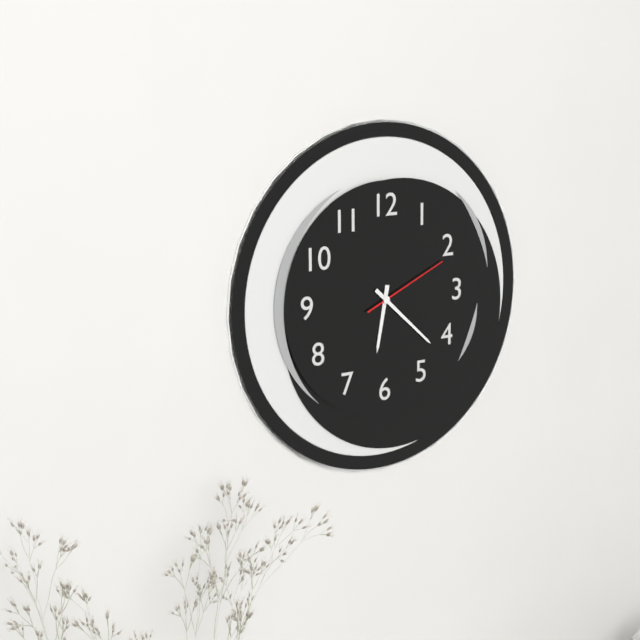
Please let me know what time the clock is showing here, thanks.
6:22:11
